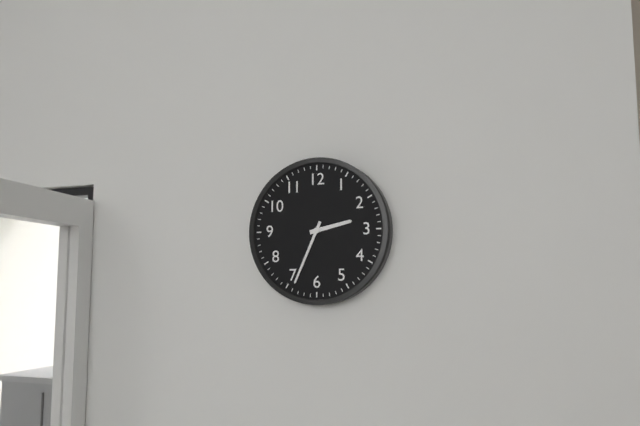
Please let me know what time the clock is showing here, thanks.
2:34
